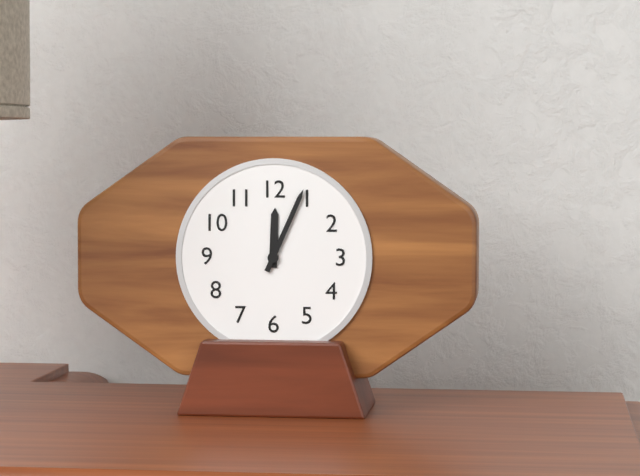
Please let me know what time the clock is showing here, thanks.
12:04
